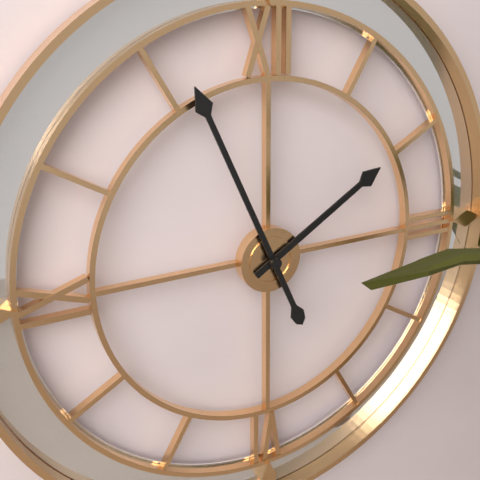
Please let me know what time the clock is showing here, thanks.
1:56
